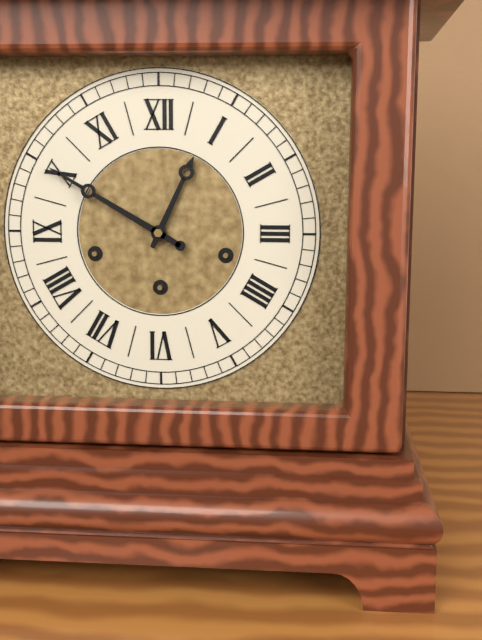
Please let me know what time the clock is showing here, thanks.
12:50
